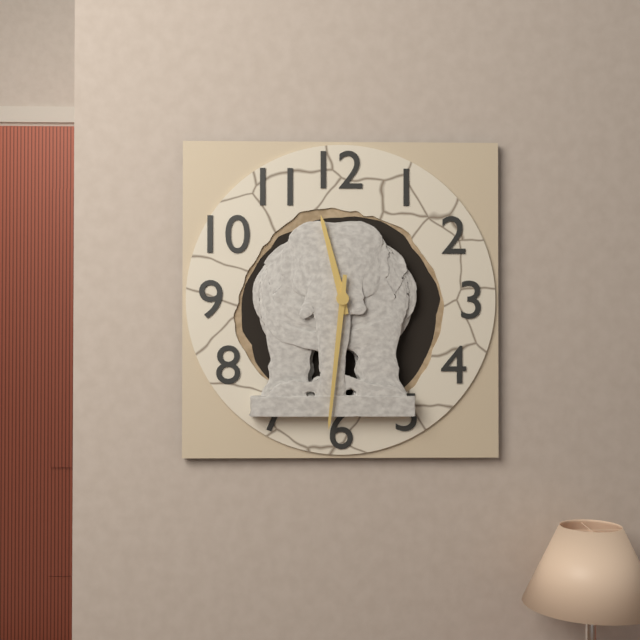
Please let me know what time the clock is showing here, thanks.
11:31
